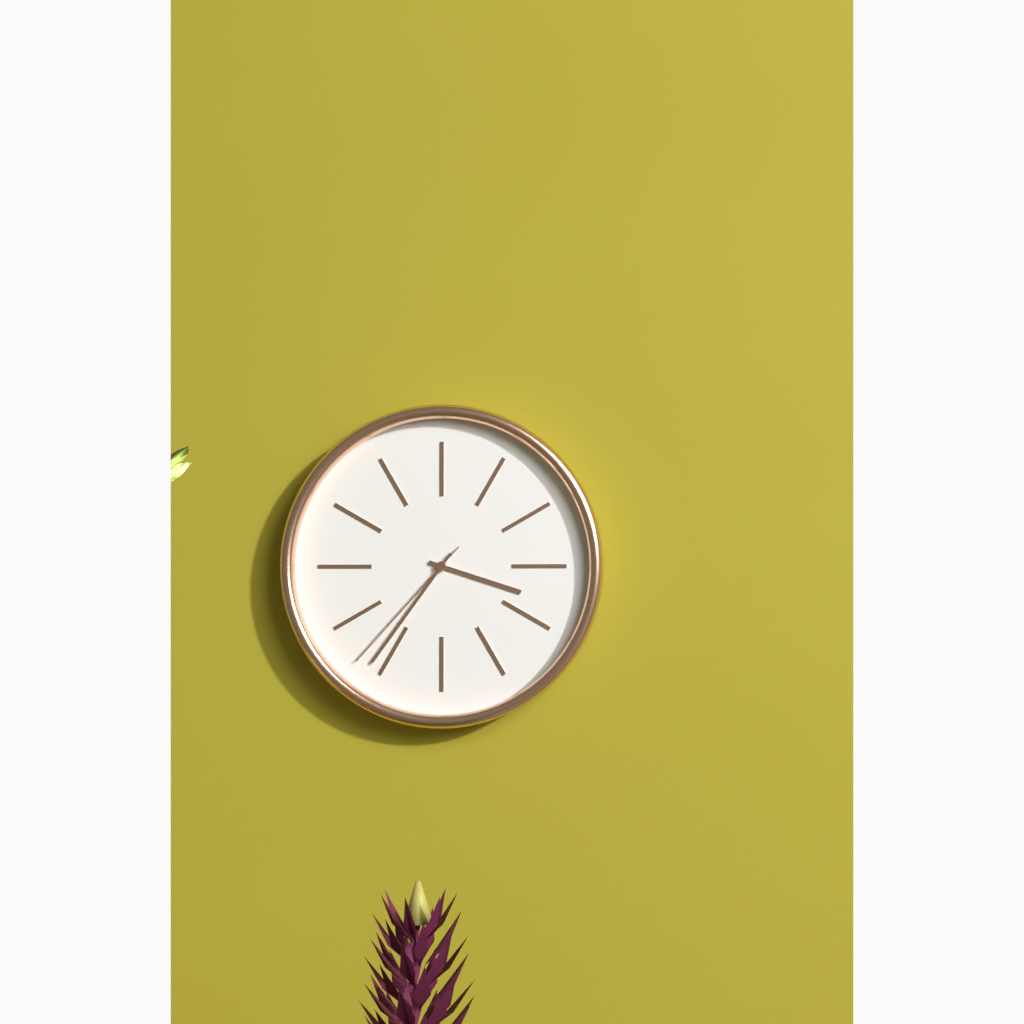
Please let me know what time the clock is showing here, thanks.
3:36:37
